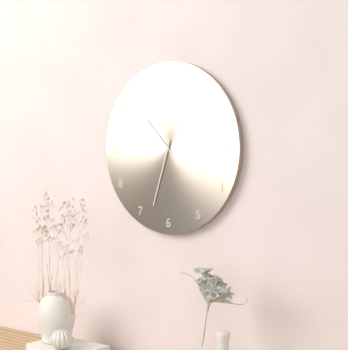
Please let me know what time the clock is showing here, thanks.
10:33
